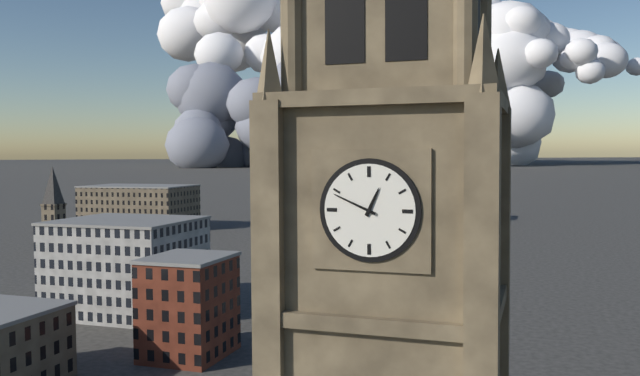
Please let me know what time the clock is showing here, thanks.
12:49
